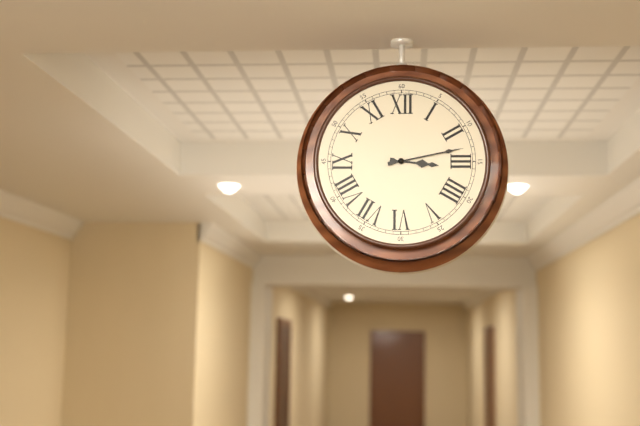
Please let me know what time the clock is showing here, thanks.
3:13
